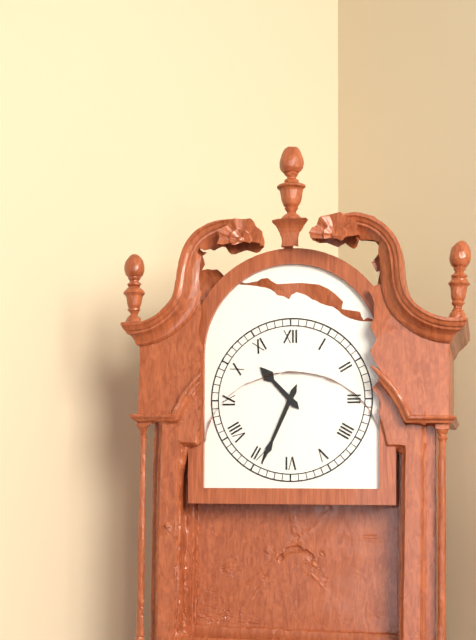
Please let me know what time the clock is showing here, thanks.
10:34
